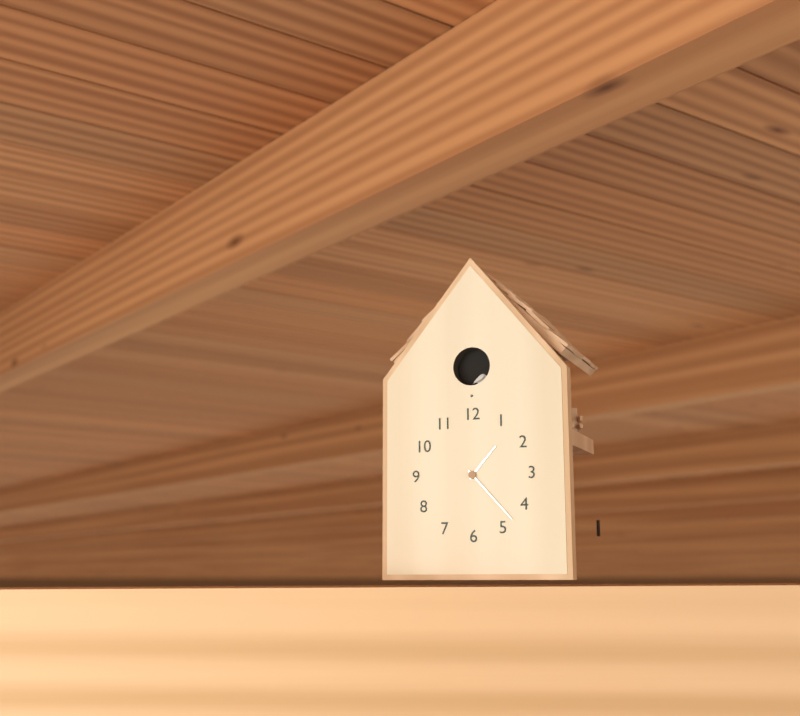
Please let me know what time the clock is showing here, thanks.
1:23
